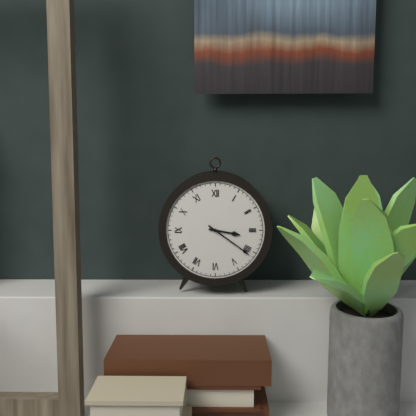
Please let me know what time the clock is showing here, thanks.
3:21
